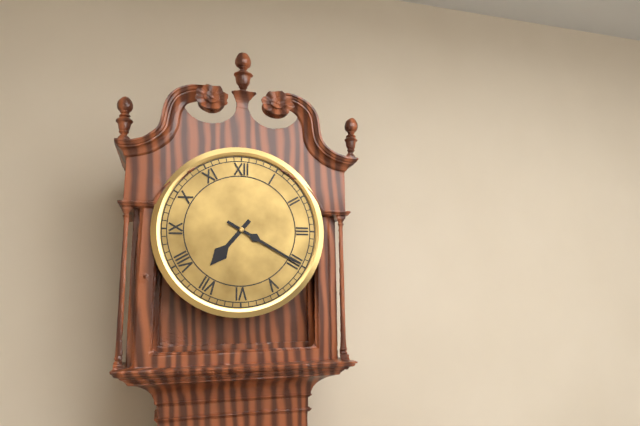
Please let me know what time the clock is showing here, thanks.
7:20
